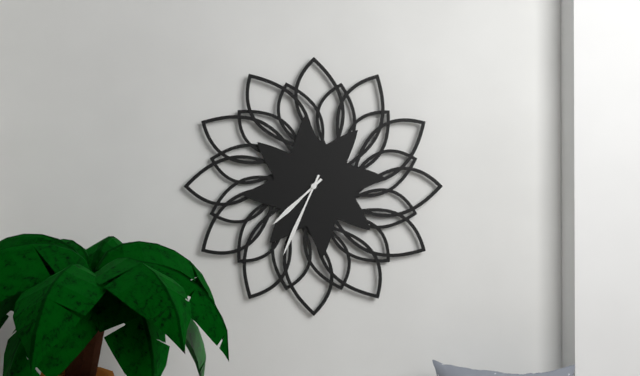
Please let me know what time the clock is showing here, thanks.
7:34
